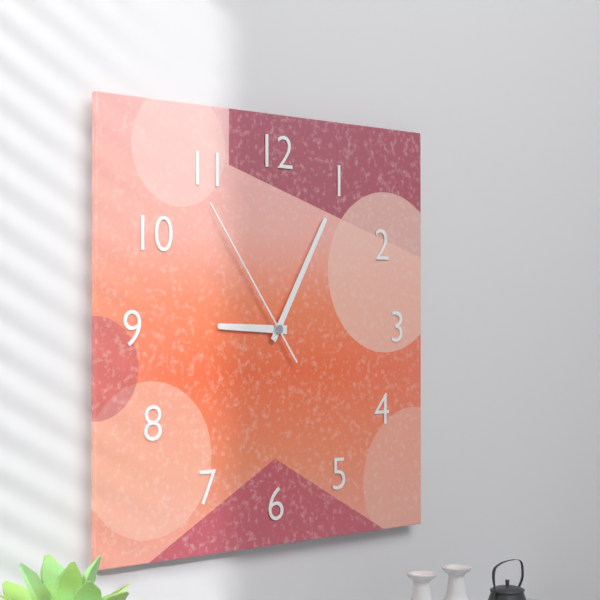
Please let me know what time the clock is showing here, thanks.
9:05:54
